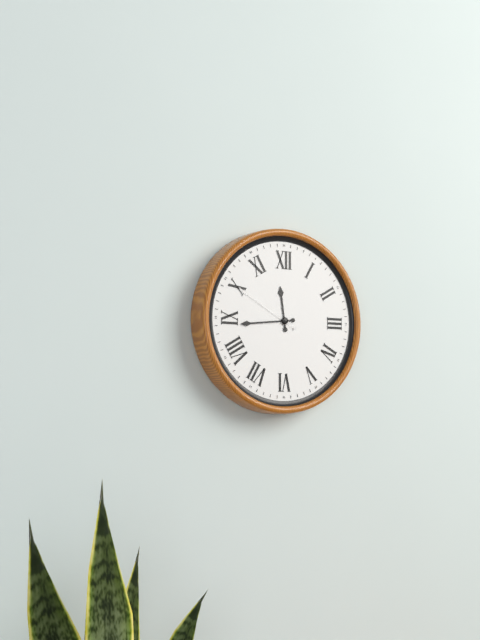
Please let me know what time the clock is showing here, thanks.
11:44:50
